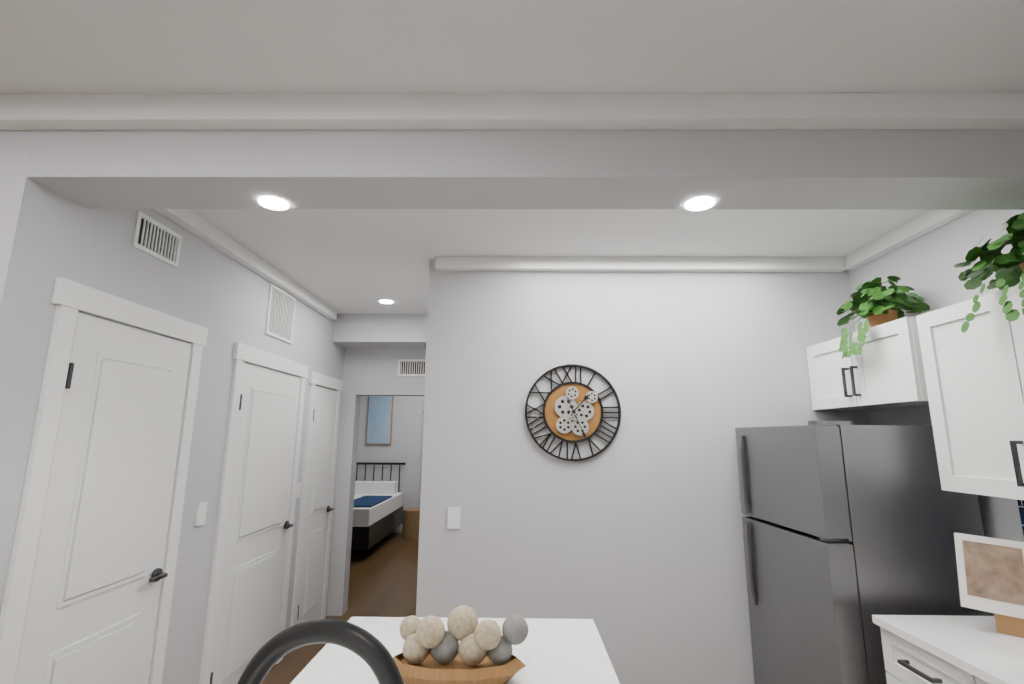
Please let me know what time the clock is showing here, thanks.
1:26
